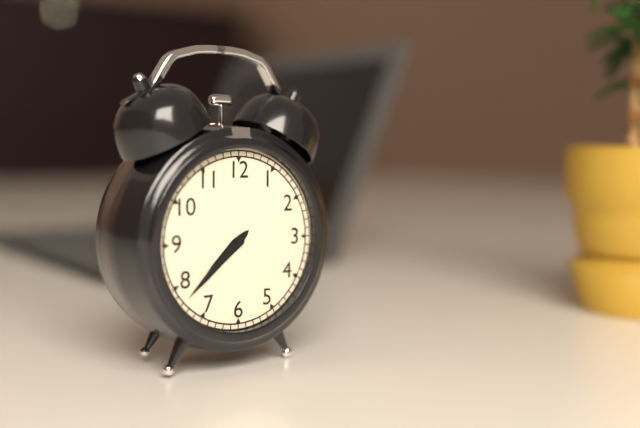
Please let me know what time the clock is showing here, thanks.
7:38
